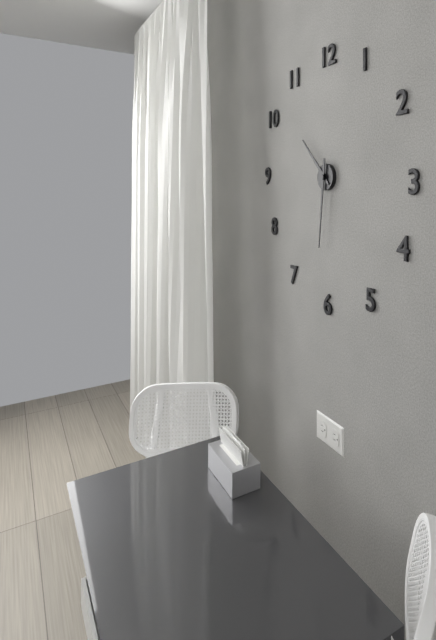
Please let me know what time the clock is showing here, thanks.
10:31
